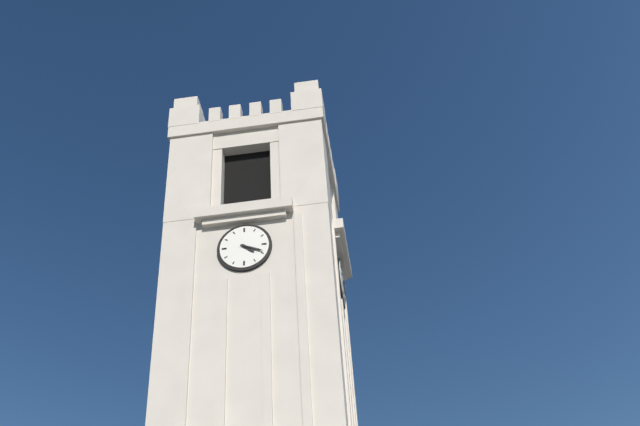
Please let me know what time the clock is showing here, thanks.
4:19
